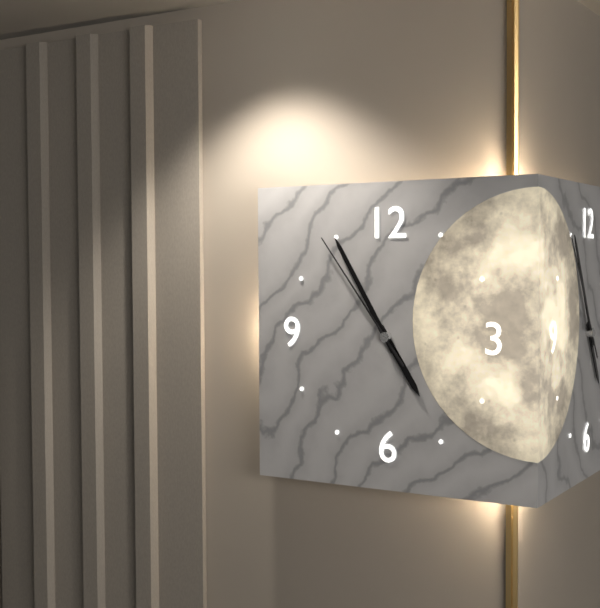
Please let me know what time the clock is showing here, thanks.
4:55:54
